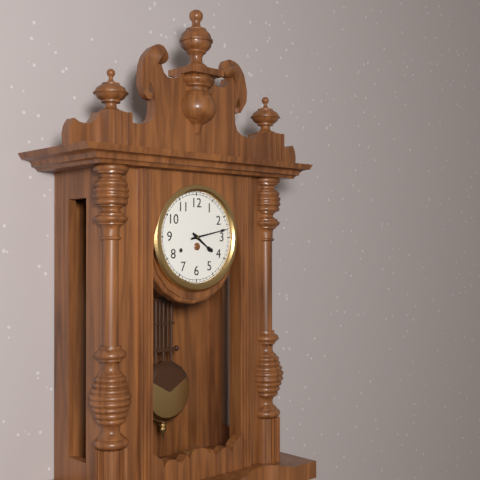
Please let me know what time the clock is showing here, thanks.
4:13
